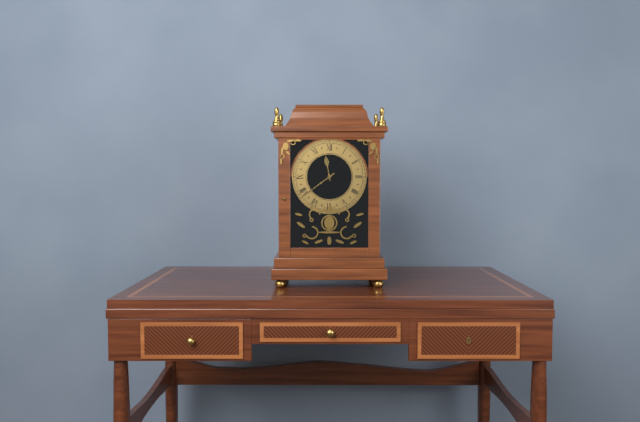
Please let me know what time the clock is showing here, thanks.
11:39
